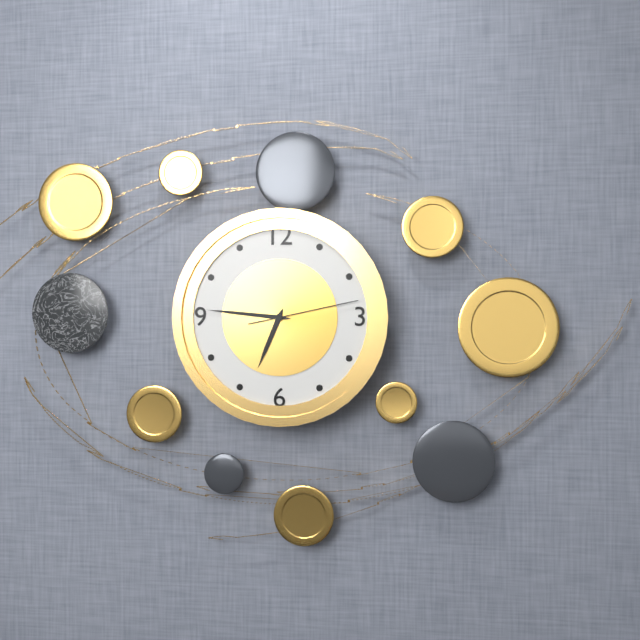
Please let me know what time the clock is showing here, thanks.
6:46:13
